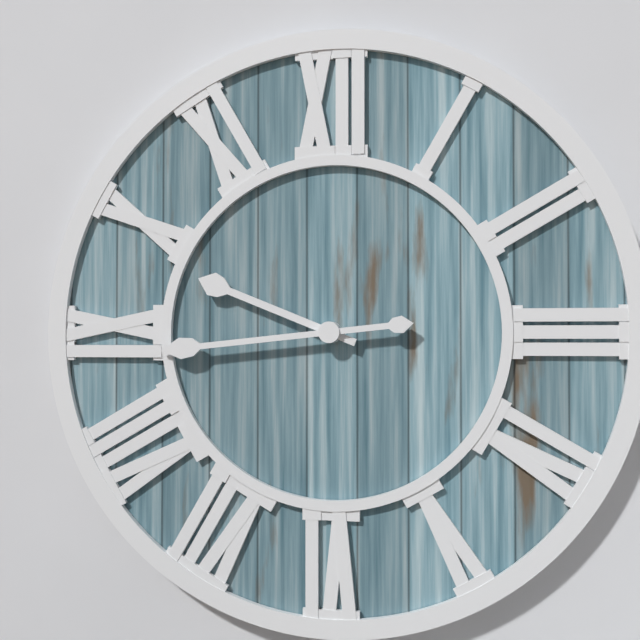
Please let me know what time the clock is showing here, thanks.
9:44
